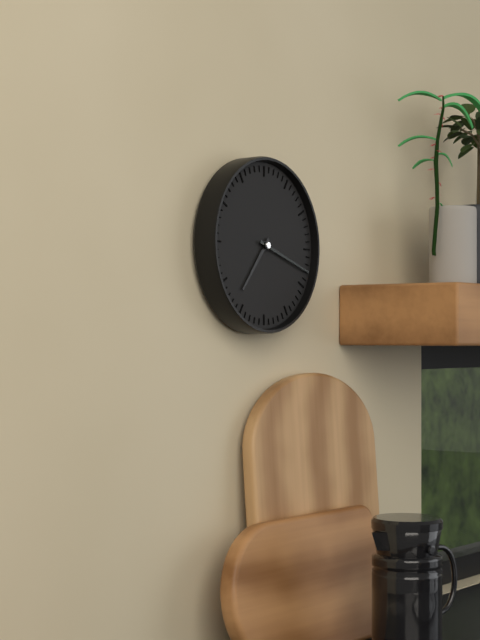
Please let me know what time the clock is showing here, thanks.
7:18
